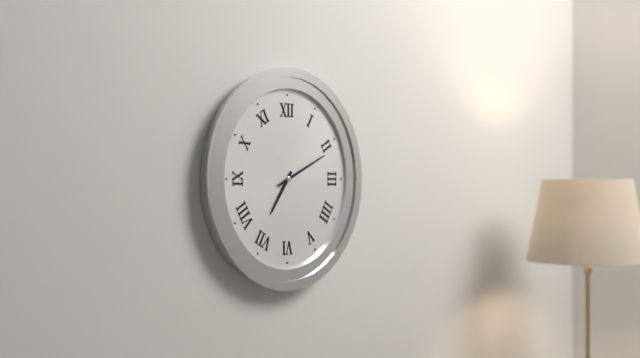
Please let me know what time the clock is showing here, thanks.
7:11
